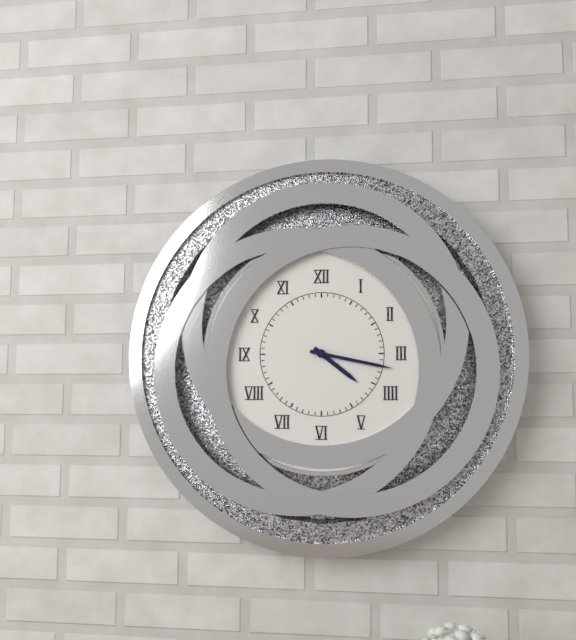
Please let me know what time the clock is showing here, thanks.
4:17
